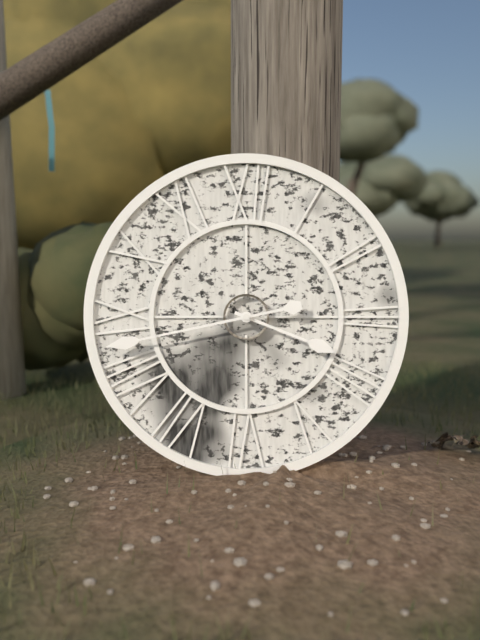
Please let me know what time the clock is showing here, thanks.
3:43
